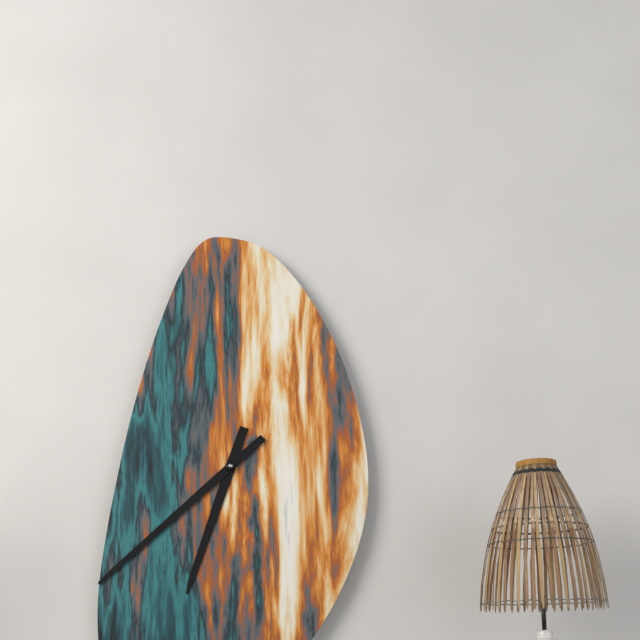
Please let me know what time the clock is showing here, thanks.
6:38
